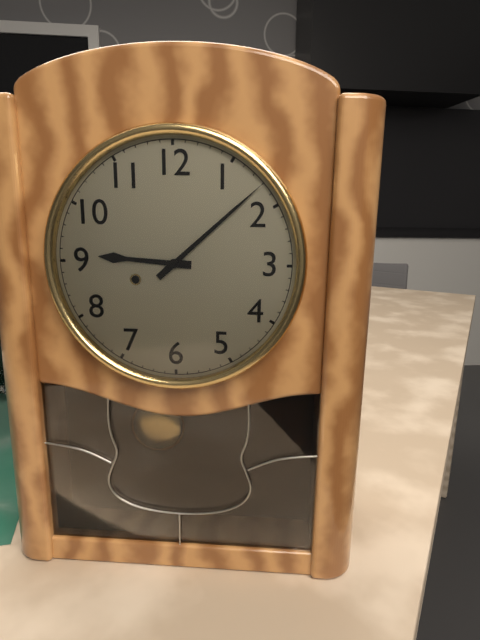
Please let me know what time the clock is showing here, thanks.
9:08
